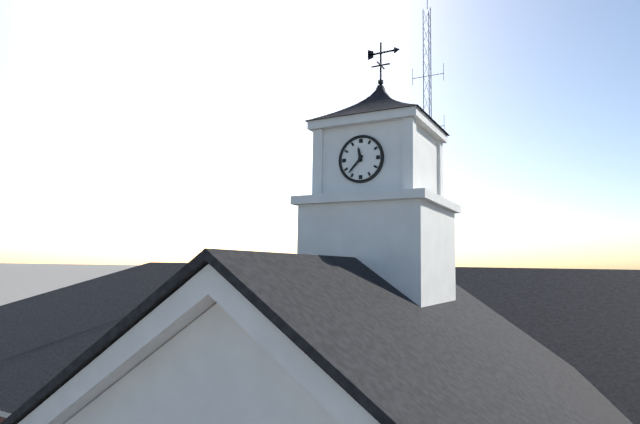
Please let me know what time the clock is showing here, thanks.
11:37
